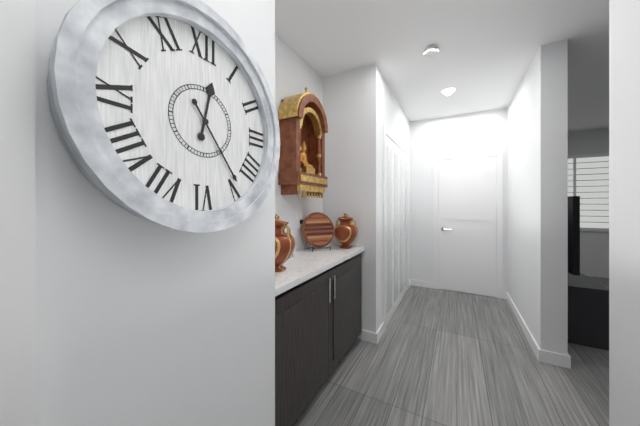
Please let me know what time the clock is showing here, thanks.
12:24
